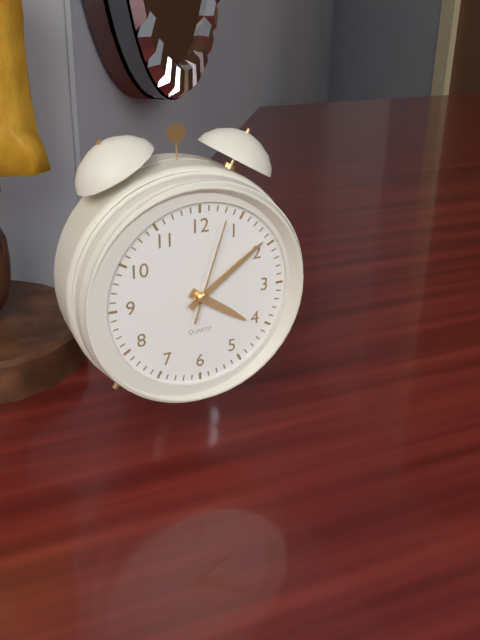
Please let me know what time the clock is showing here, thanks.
4:09:03
